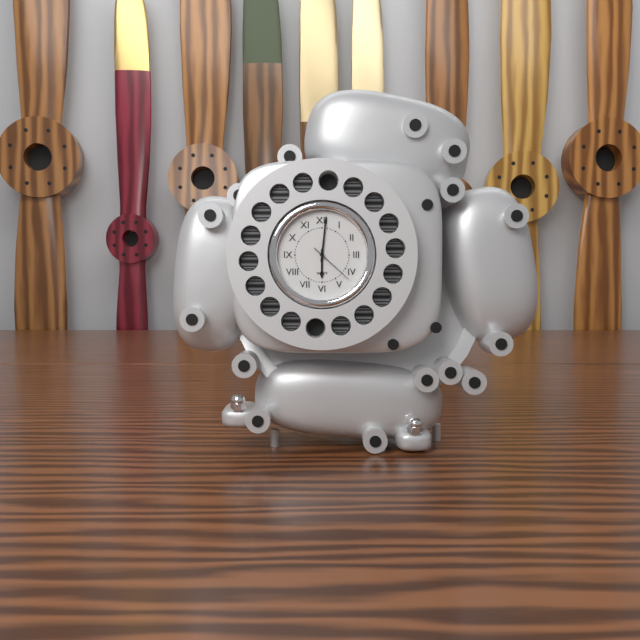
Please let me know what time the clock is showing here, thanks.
6:01
